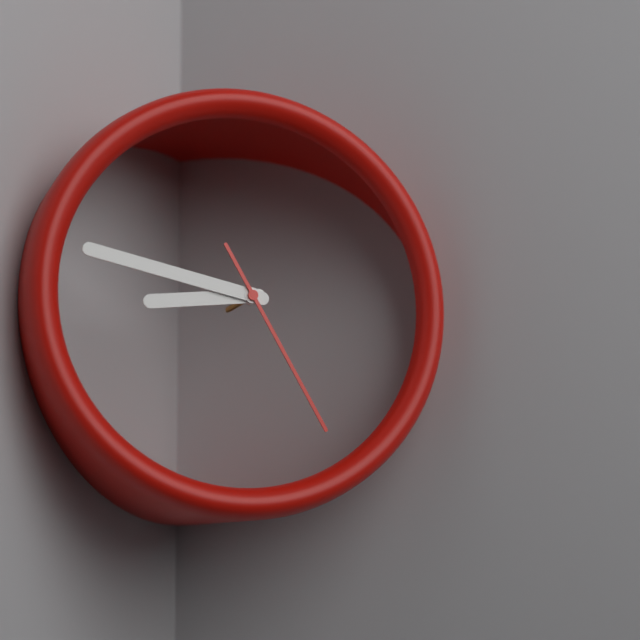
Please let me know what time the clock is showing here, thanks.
8:47:25
